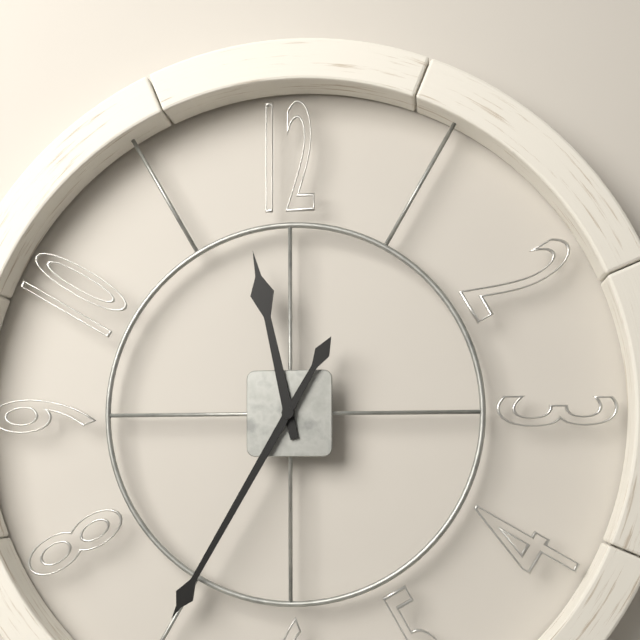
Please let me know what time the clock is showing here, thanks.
11:35
